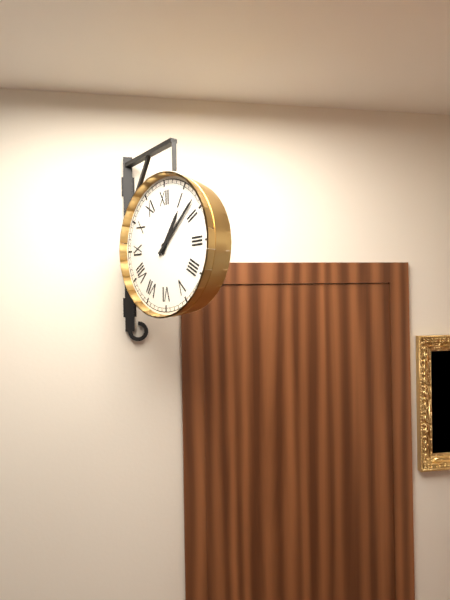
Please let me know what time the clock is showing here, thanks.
1:08
